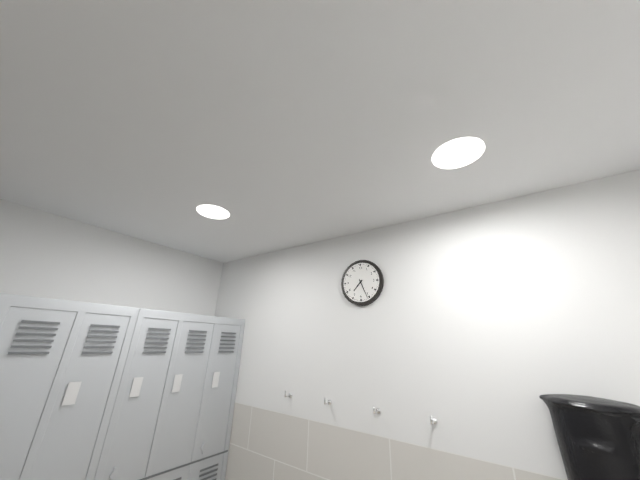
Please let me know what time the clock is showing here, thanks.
7:26
